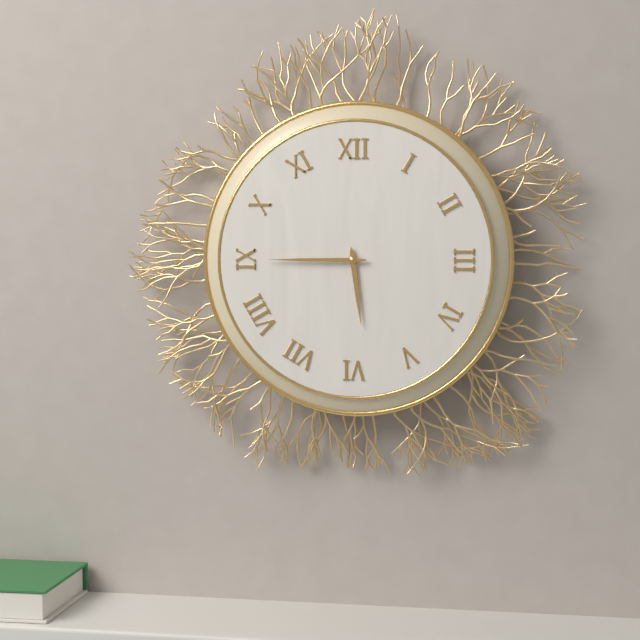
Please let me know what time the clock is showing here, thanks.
5:45
